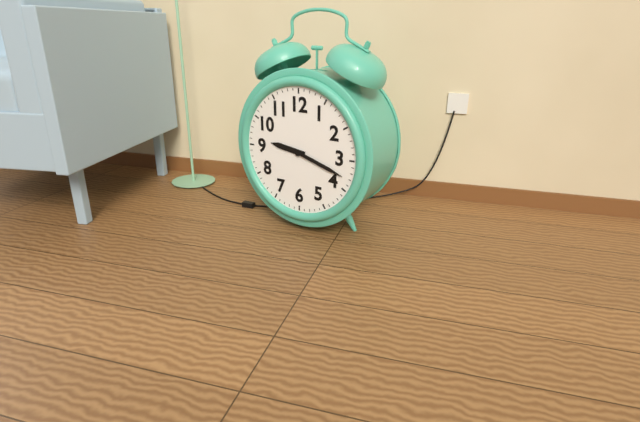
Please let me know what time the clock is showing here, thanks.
9:18
